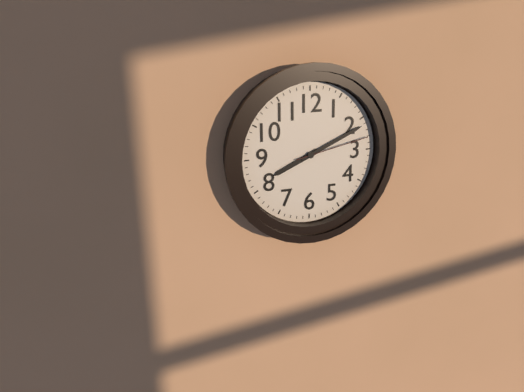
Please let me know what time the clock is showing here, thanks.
8:11:13
